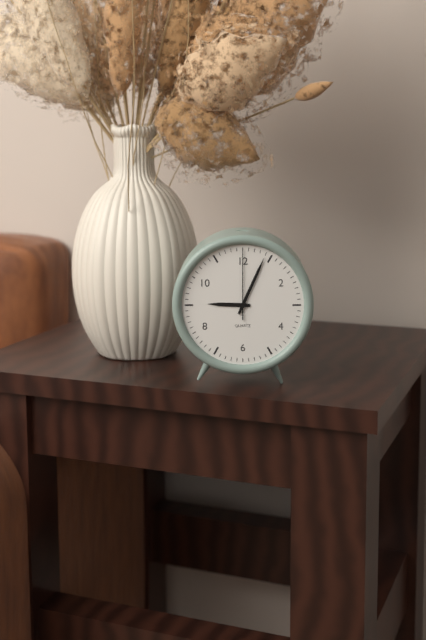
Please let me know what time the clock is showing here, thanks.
9:04:00
